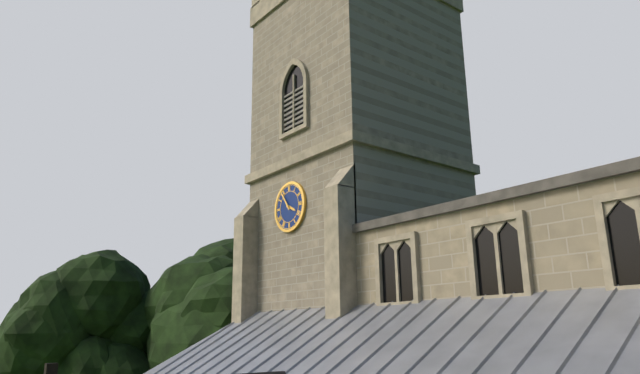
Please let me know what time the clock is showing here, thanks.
3:54
